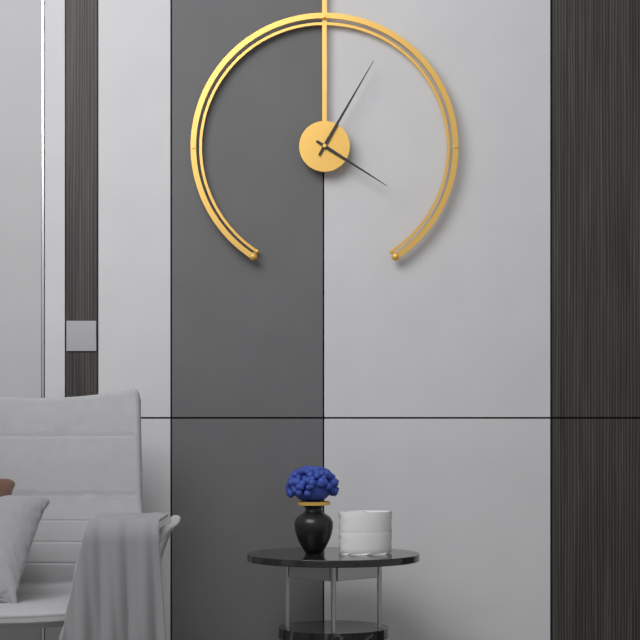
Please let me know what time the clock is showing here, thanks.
4:05
